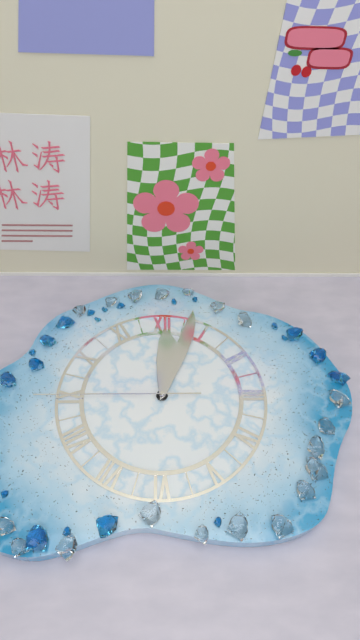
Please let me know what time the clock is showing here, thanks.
12:03:45
